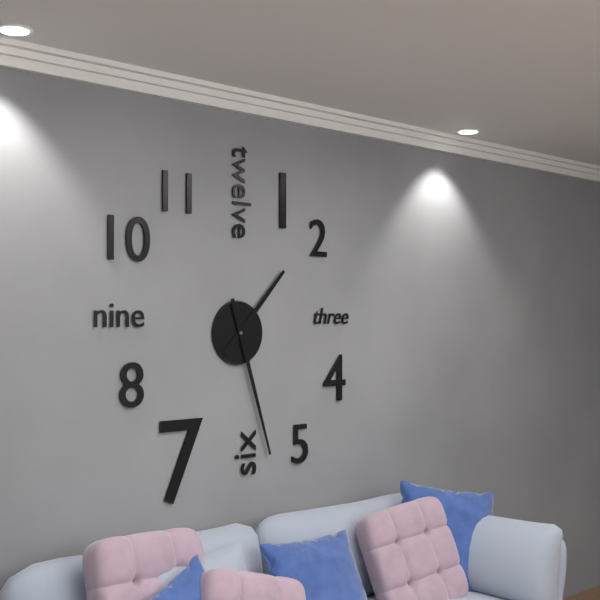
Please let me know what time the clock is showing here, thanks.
1:27
